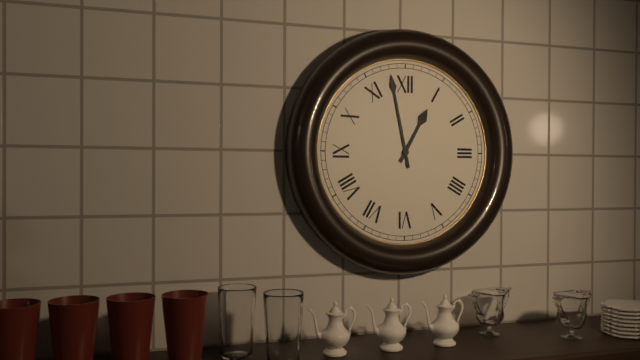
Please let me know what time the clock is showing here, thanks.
12:58
